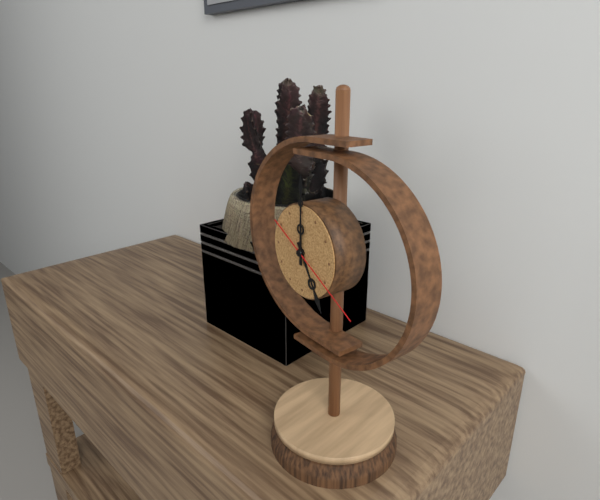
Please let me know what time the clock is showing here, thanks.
5:00:20
